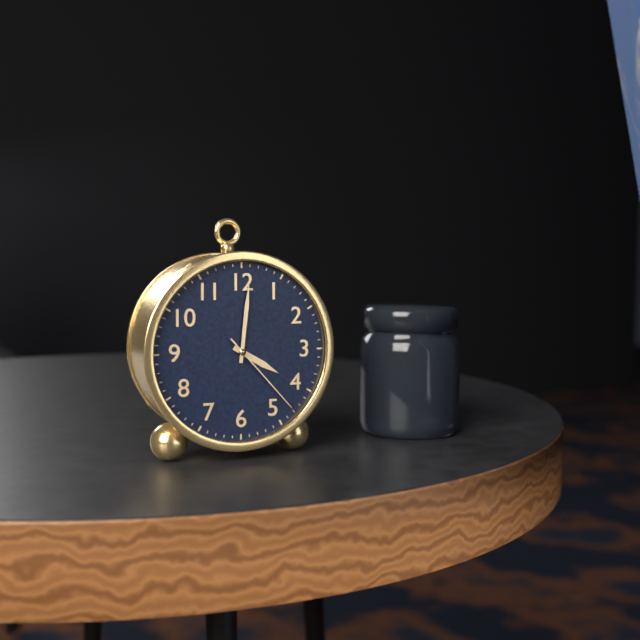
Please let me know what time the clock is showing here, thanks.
4:01:23
